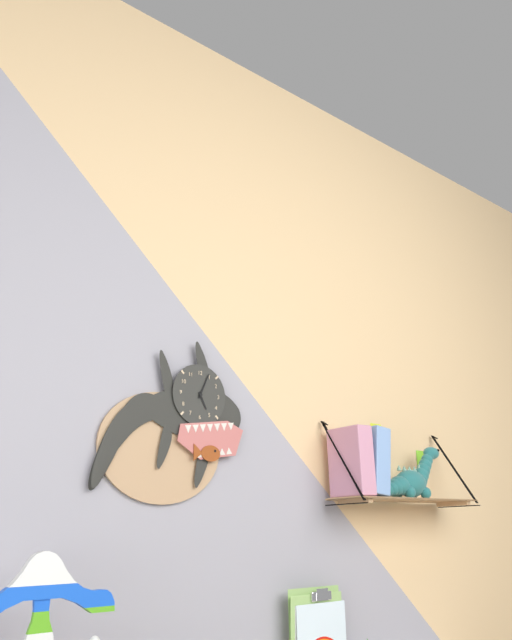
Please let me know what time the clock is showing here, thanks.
5:04
